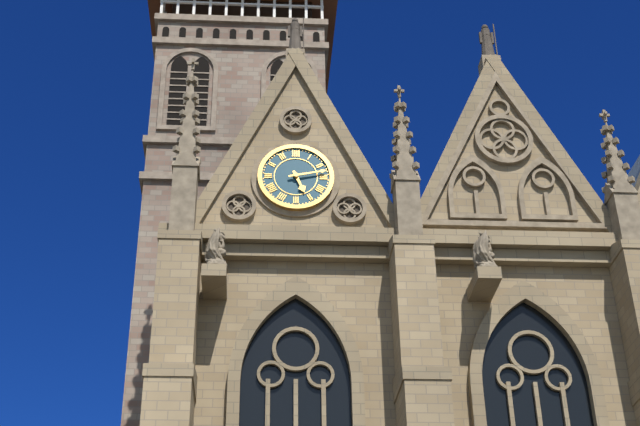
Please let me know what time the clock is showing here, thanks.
5:13
